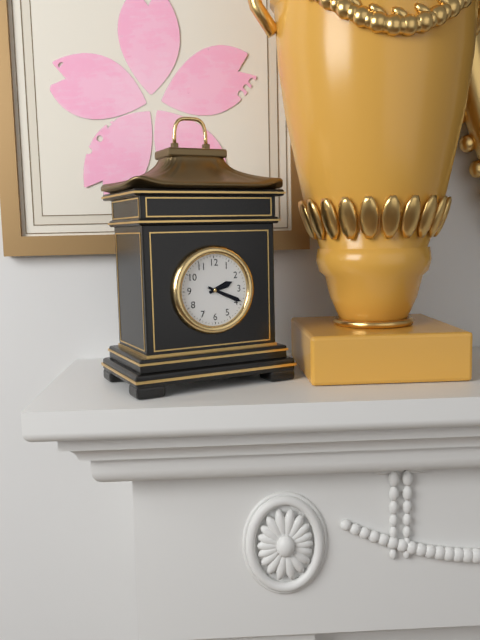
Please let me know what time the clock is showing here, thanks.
2:19
